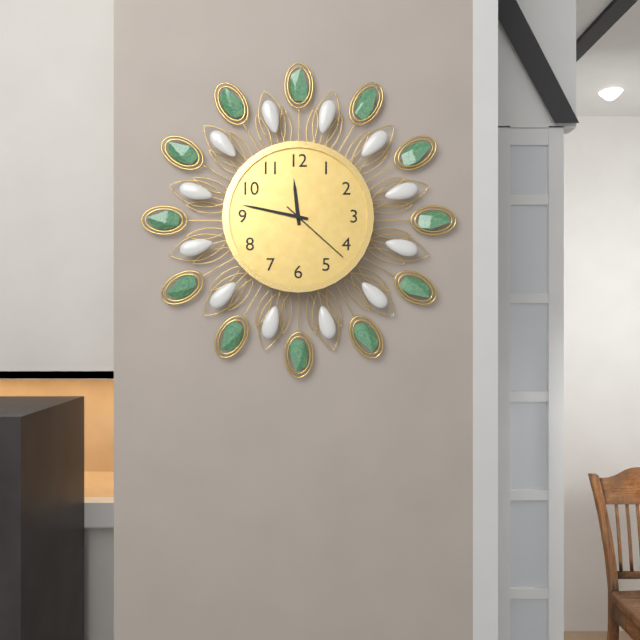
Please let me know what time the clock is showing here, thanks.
11:47:22
